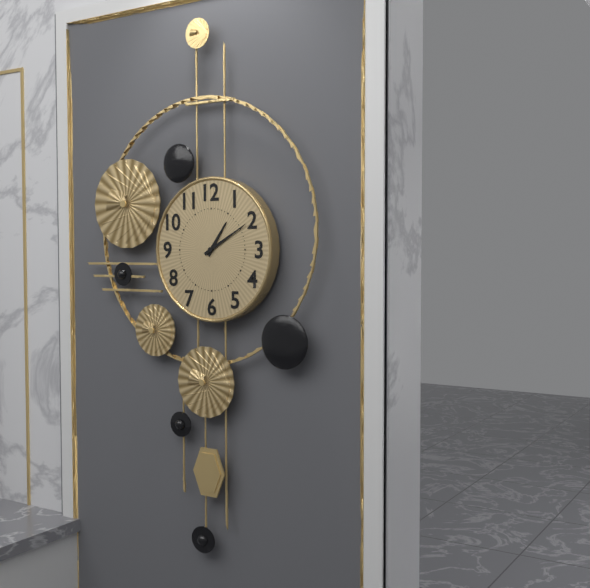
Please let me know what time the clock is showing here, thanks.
1:10
